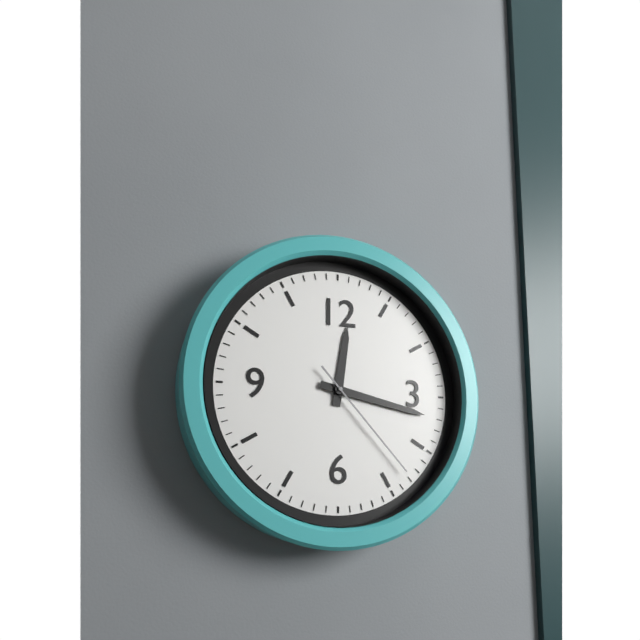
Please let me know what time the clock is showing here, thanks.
12:17:23
